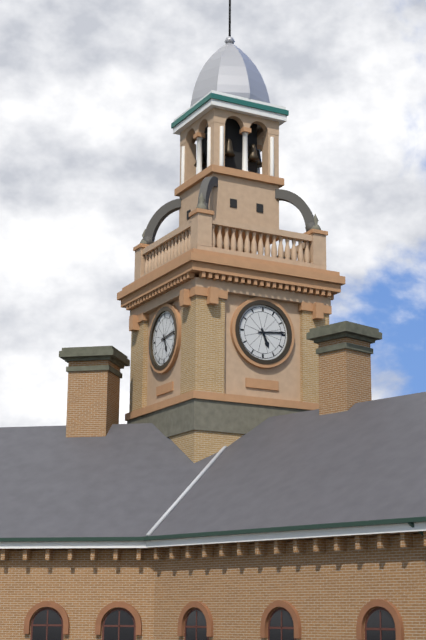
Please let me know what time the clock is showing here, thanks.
5:14
